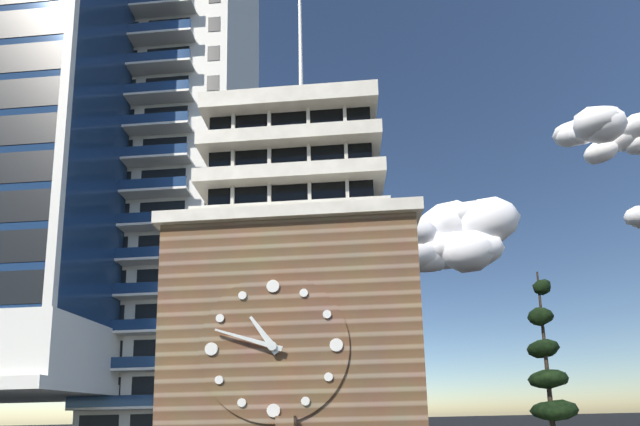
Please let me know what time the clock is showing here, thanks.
10:48
